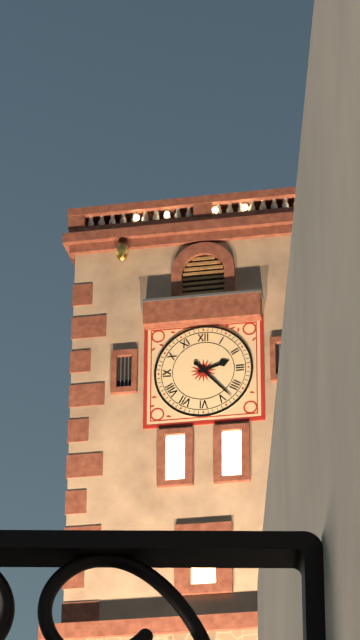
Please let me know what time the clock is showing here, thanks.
2:23
